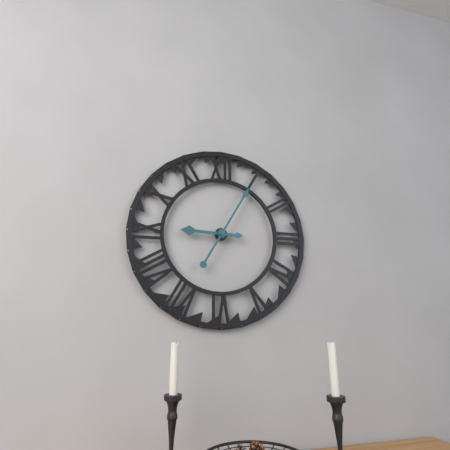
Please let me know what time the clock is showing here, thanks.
9:05
